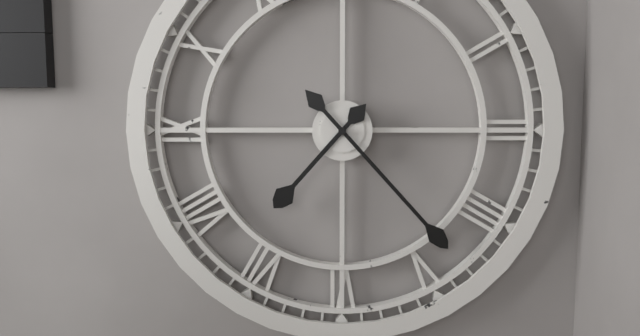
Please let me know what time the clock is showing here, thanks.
7:23
